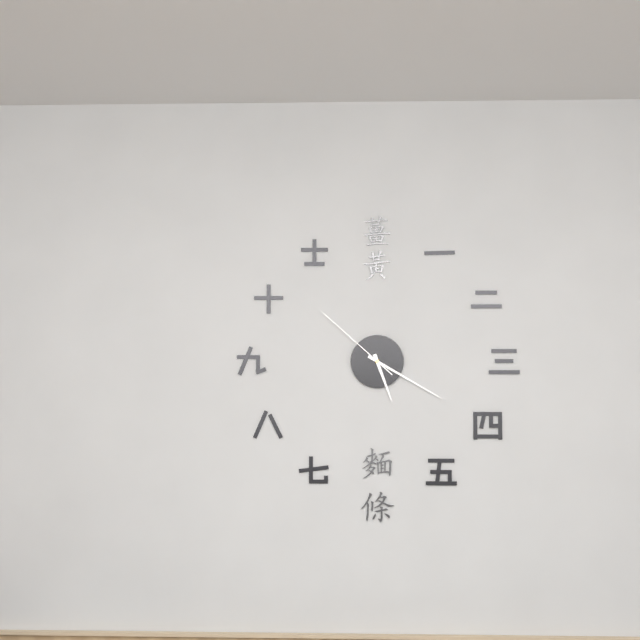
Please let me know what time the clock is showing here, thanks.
5:20:52
